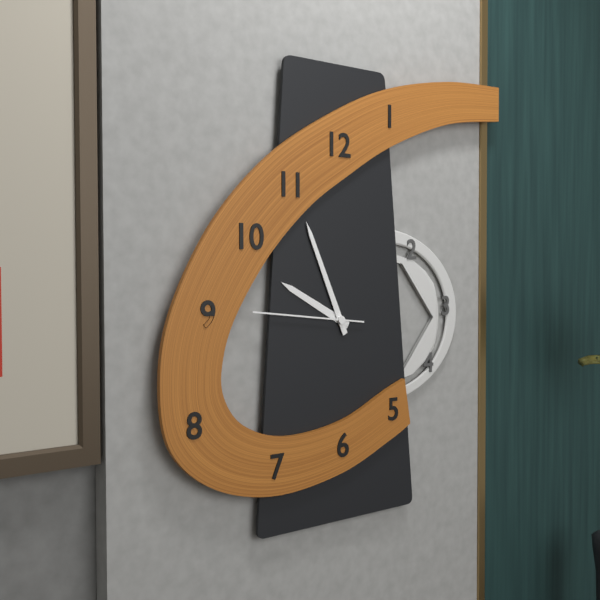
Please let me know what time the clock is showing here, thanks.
9:56:46
